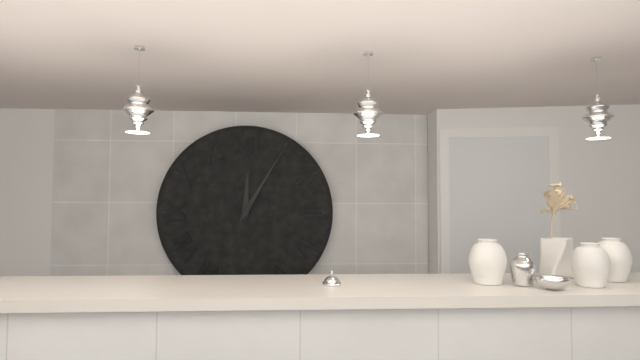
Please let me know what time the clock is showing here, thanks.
12:05
